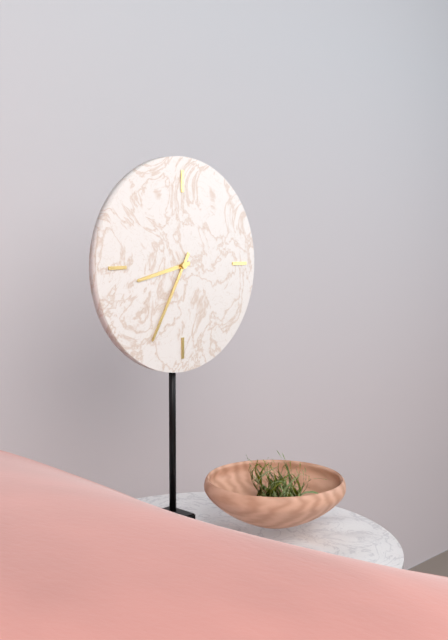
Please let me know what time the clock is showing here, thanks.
8:35
